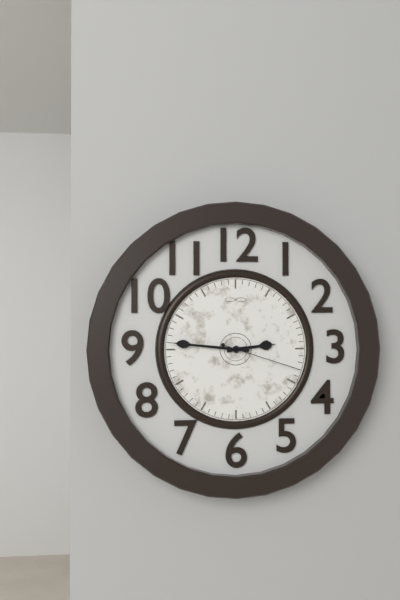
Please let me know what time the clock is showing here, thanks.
2:46:18
